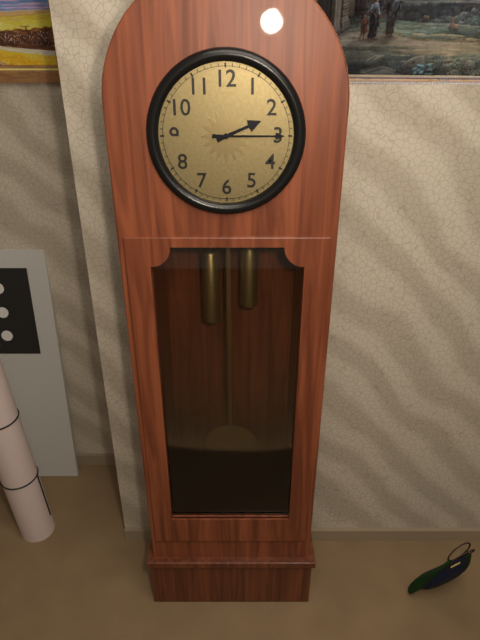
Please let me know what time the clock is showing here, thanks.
2:15
